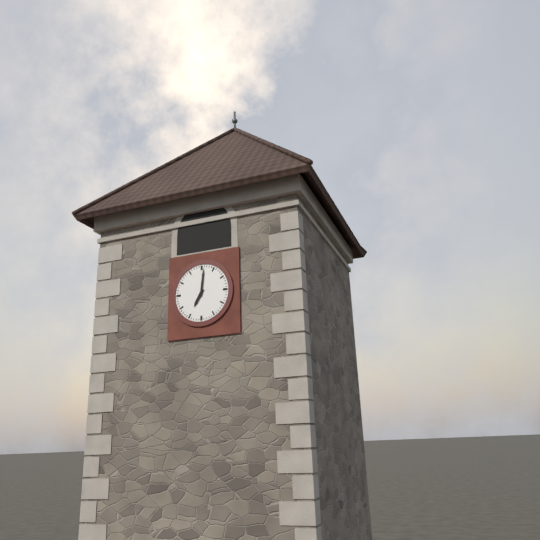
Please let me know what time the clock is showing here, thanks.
7:01
